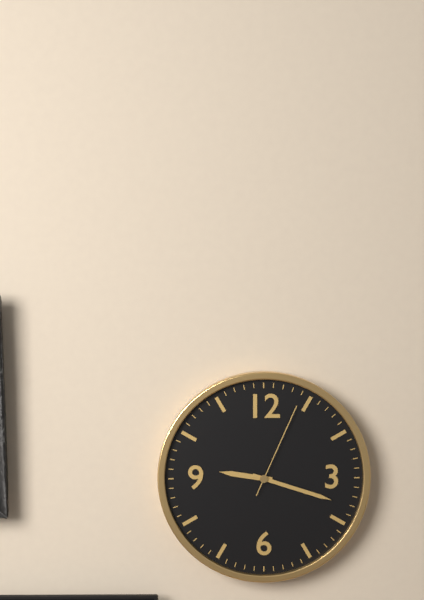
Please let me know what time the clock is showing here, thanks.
9:18:04
